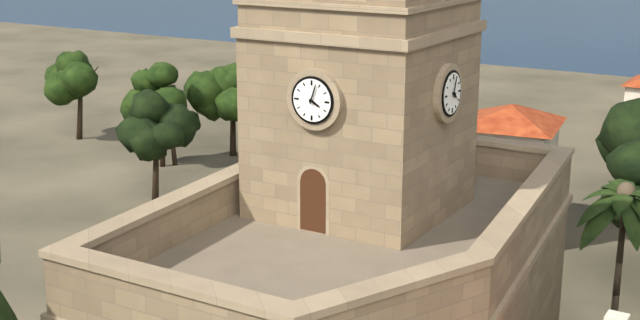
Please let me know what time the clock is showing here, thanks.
4:03
